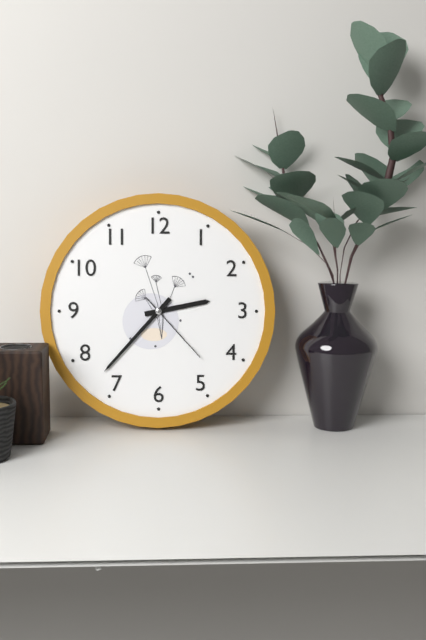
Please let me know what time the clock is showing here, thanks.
2:37:23
